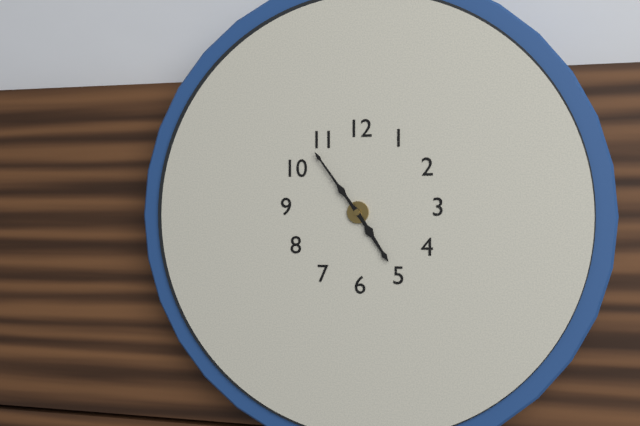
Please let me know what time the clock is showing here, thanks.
4:54
